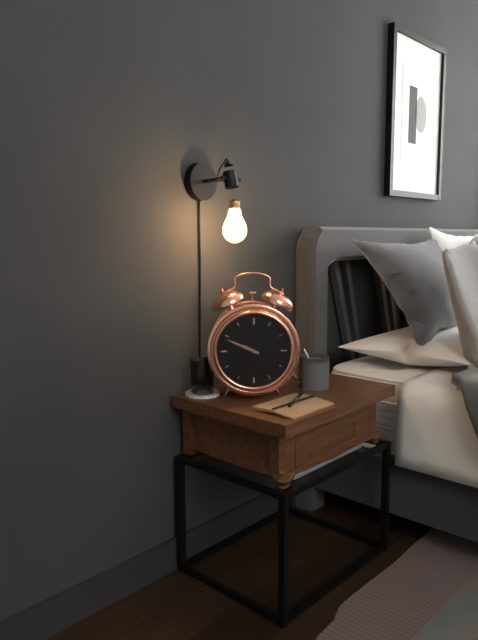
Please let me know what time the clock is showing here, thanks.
9:49
